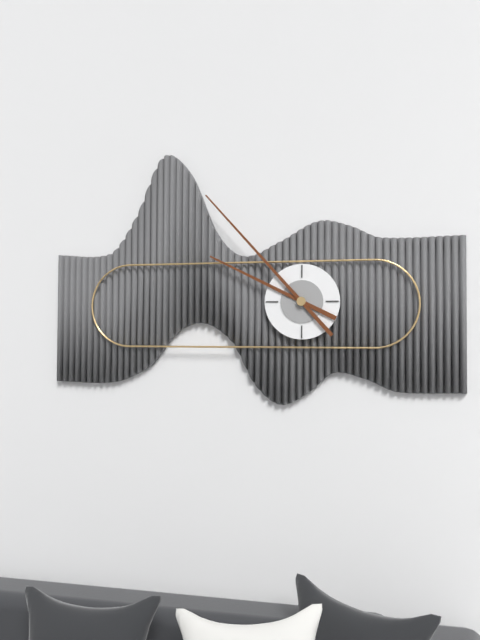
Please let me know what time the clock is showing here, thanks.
9:53
